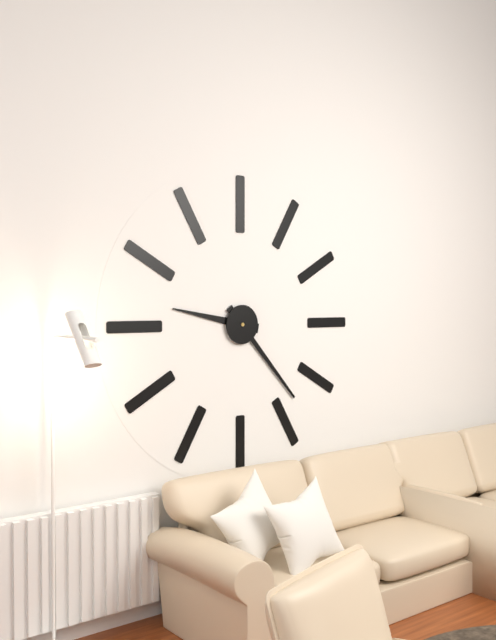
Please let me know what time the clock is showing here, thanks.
9:23
